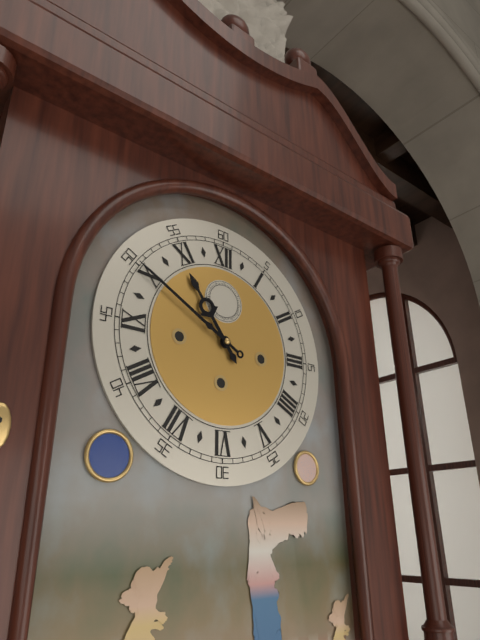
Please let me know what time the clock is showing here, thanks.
10:50
